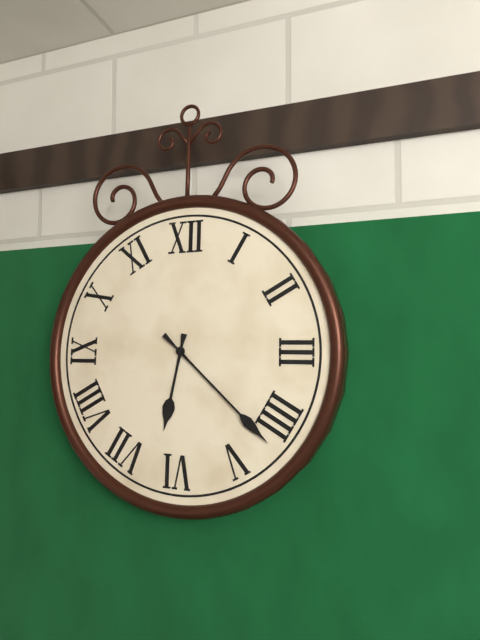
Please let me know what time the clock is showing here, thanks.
6:22
